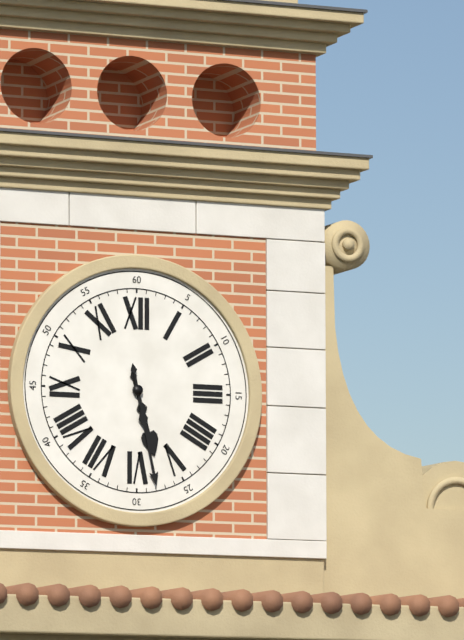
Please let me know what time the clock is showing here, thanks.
5:28
